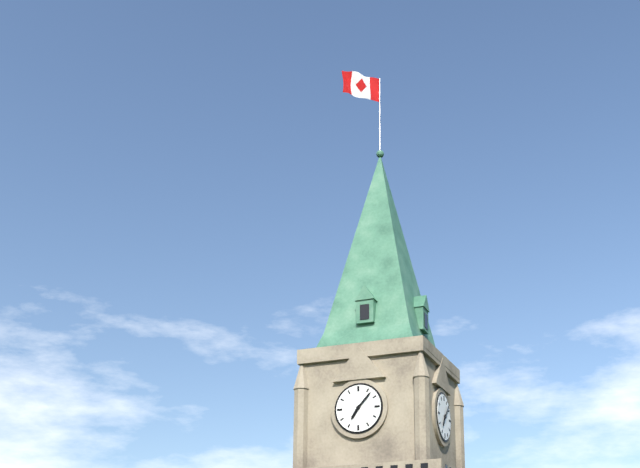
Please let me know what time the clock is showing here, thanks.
7:07
